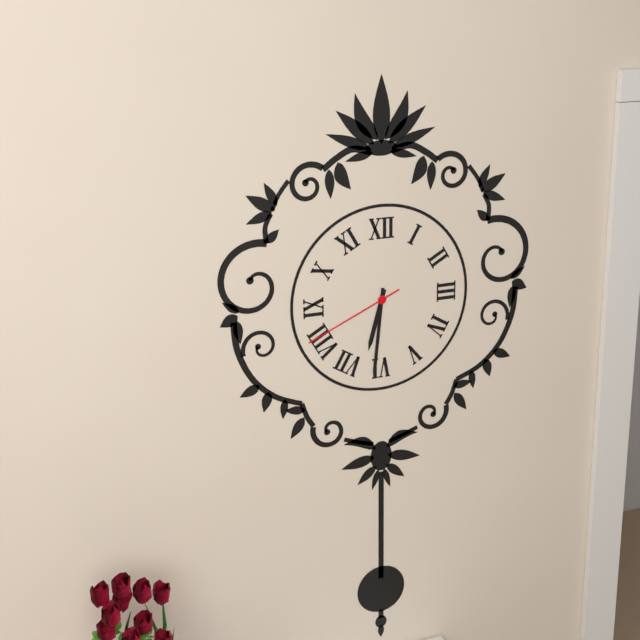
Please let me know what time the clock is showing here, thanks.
6:31:41
